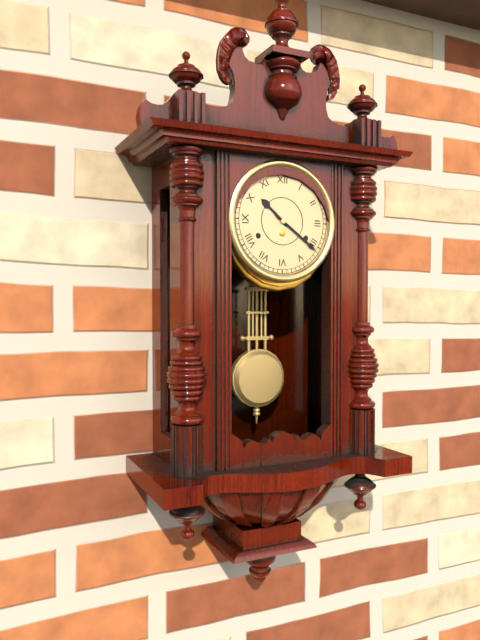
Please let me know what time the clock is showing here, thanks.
10:21
